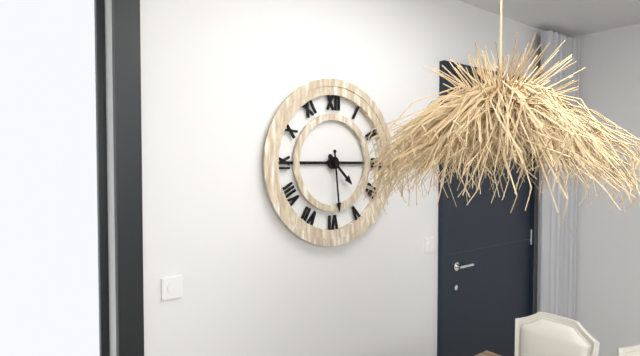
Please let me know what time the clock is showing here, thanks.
4:29
